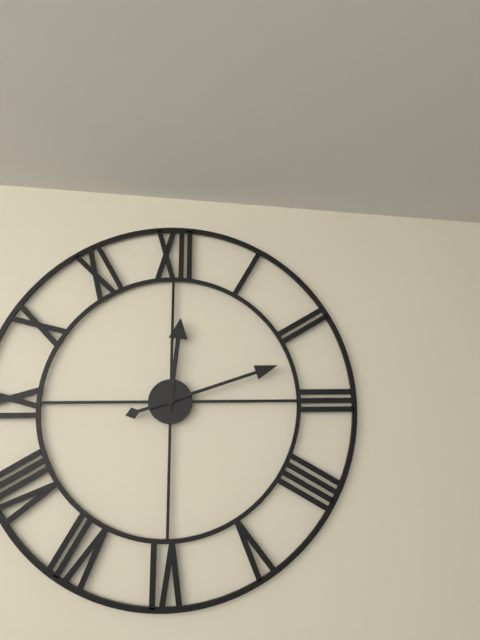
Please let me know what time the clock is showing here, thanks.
12:12
